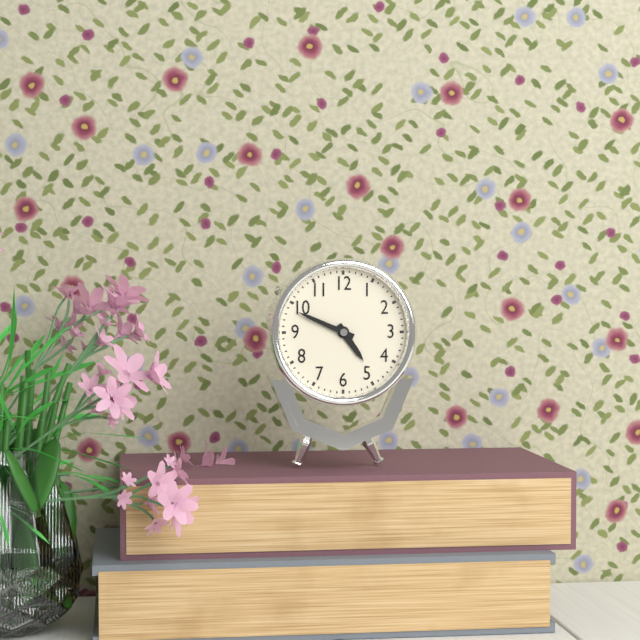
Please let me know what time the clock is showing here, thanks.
4:49
